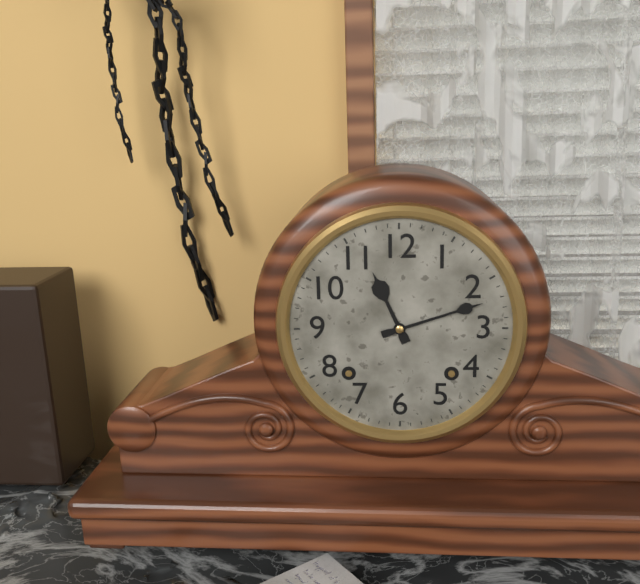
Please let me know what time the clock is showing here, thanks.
11:12
